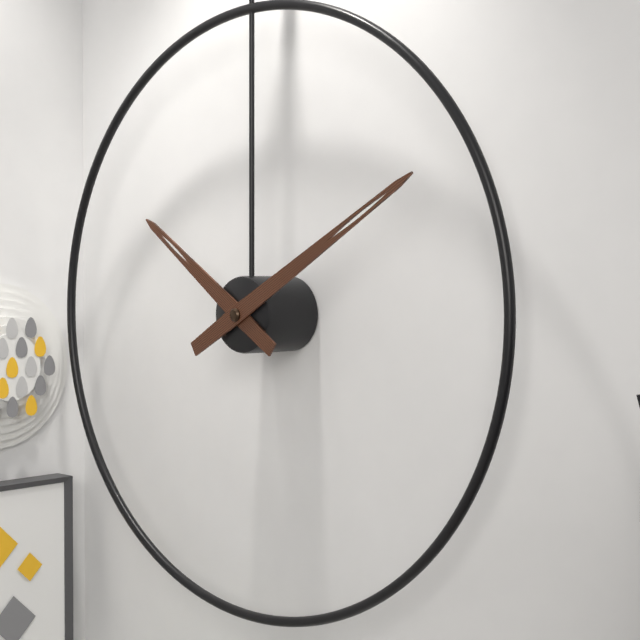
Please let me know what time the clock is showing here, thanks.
10:10
